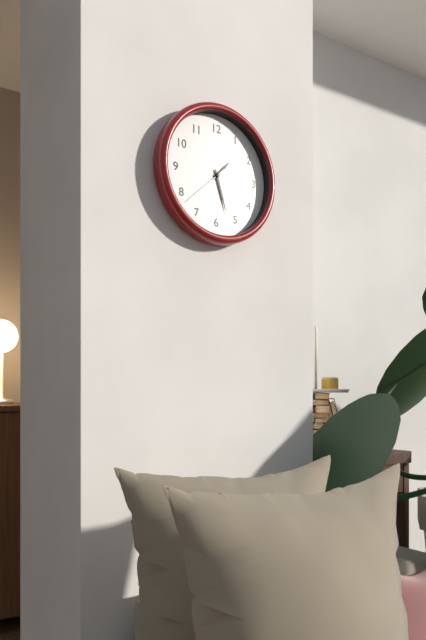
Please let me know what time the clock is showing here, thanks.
1:27:38
